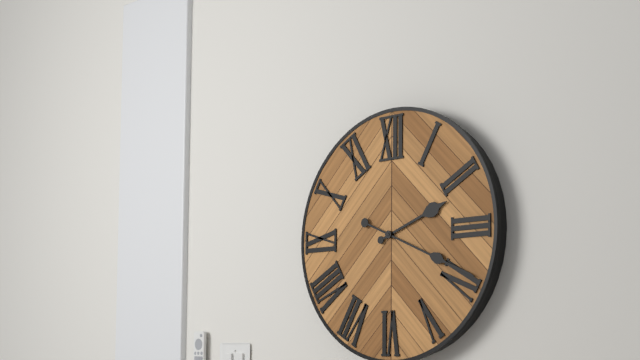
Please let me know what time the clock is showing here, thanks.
2:19
